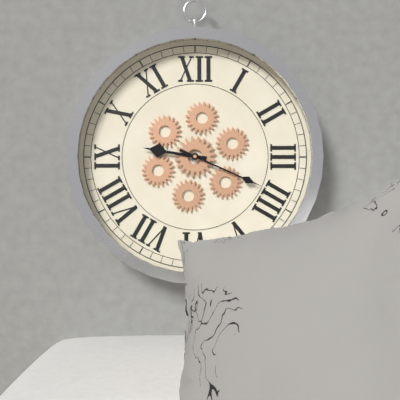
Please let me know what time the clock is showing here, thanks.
9:19
